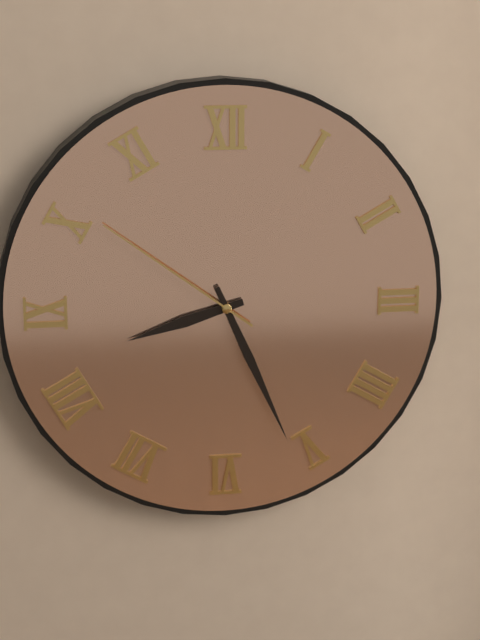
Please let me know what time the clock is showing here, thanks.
8:26:51
